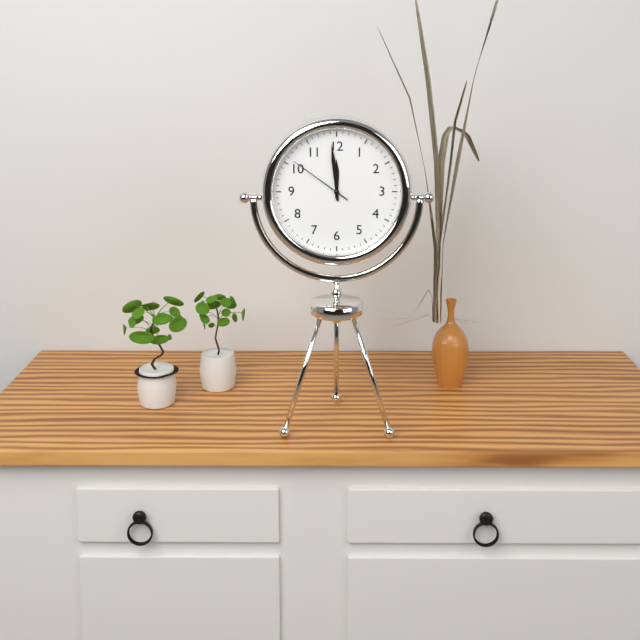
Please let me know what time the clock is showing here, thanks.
11:59:51
